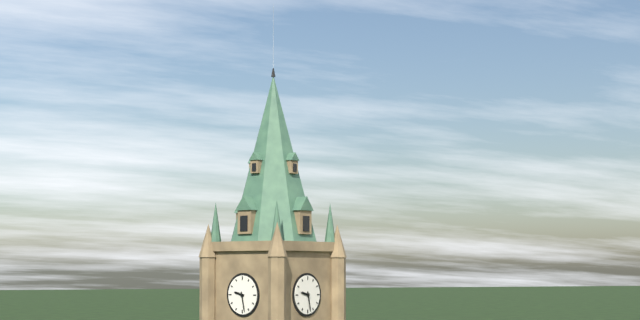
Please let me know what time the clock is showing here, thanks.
9:28
